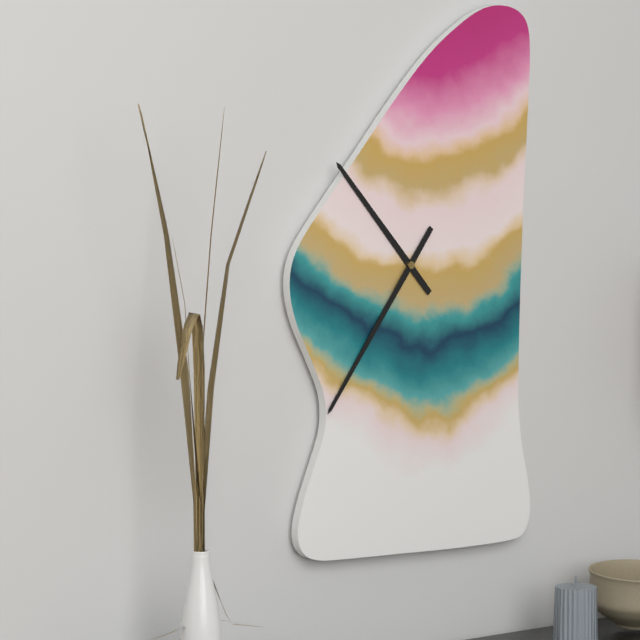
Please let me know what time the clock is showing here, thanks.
10:36
